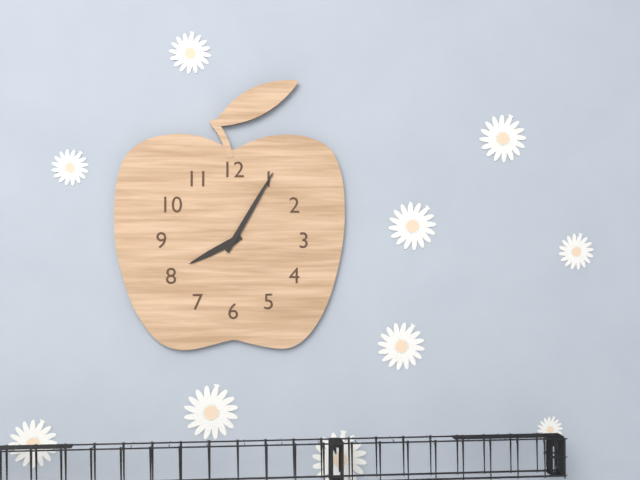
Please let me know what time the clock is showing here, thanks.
8:05
